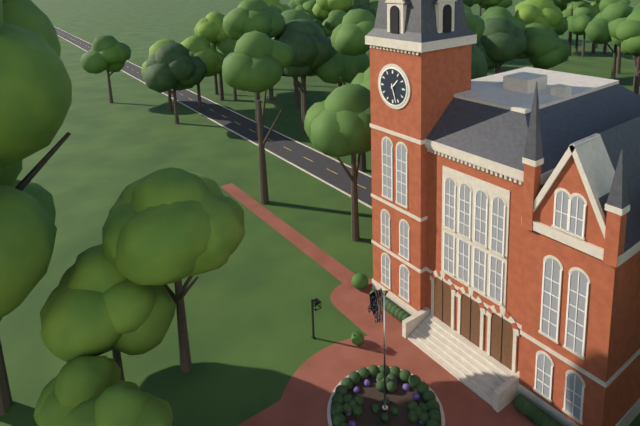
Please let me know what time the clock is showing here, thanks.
1:27
